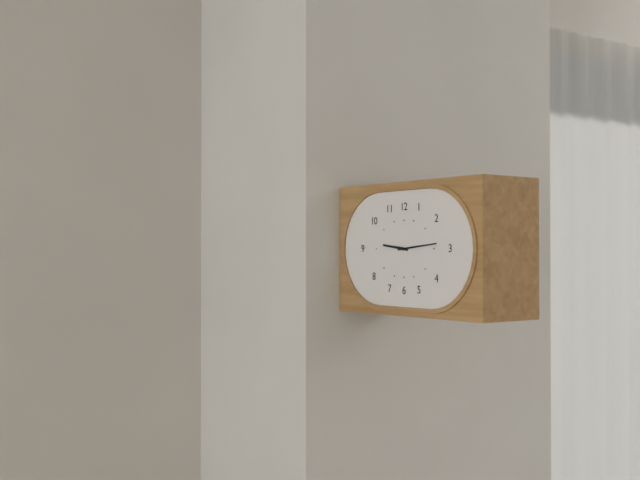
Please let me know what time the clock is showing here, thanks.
9:14
